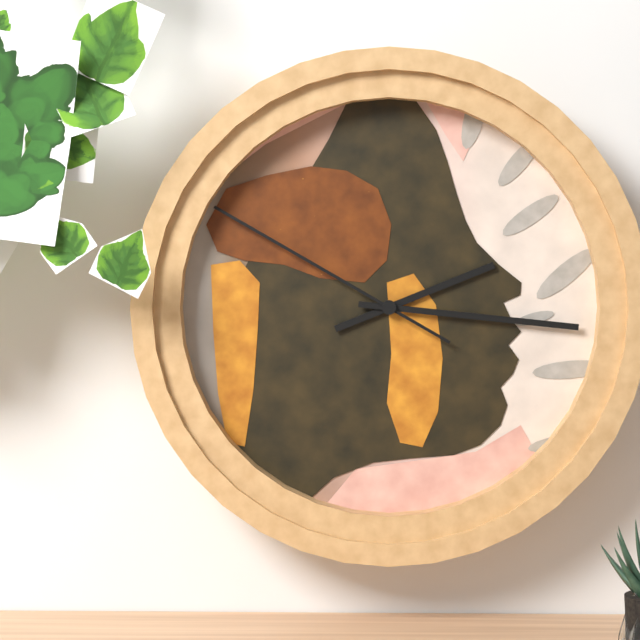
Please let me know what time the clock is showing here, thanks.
2:16:50
